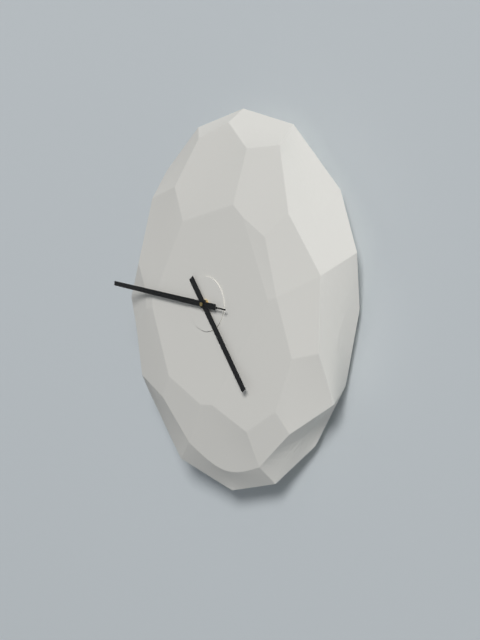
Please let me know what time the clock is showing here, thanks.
4:46:46
